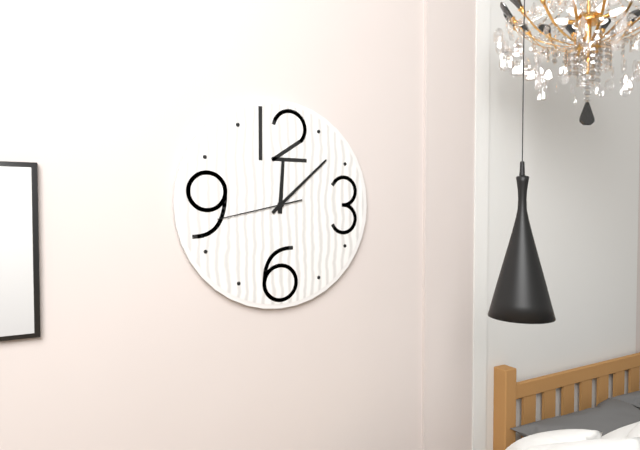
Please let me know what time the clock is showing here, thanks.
12:08:43
